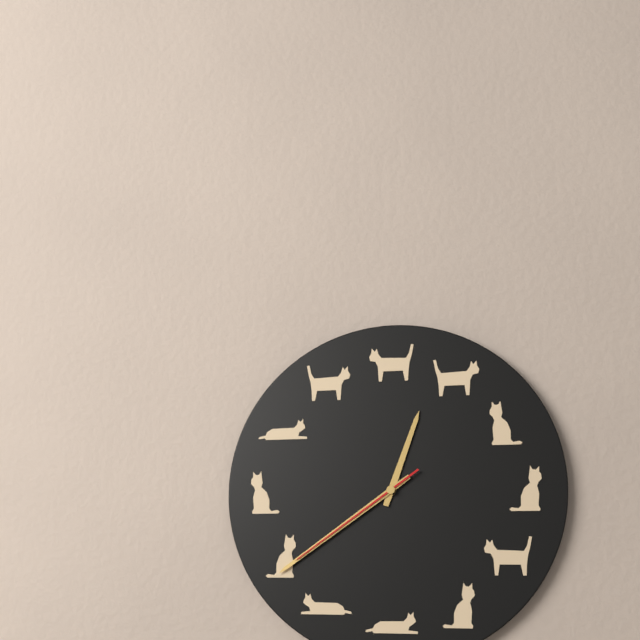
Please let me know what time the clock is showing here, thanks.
12:39:39
